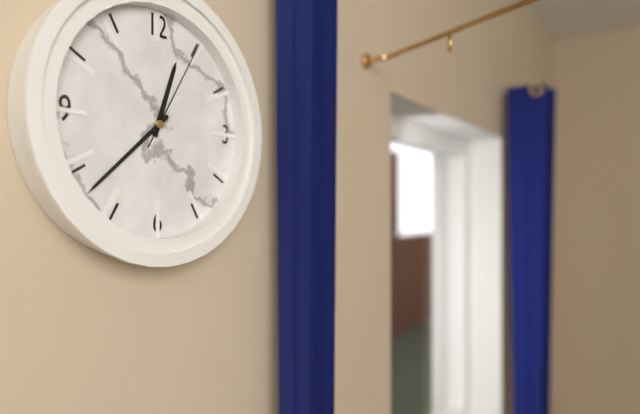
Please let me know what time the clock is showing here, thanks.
12:38:05
